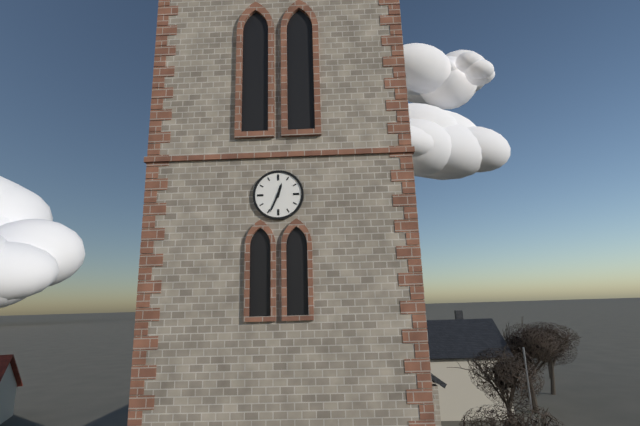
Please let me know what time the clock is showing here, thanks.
12:34
